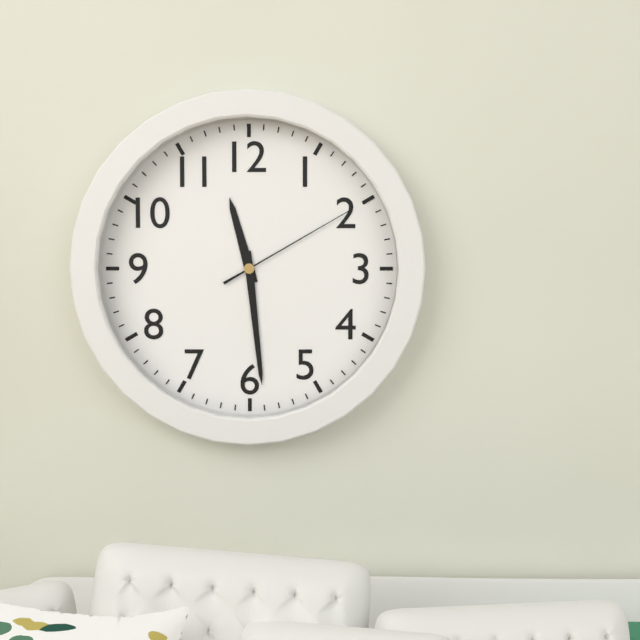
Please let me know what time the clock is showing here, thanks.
11:29:10
